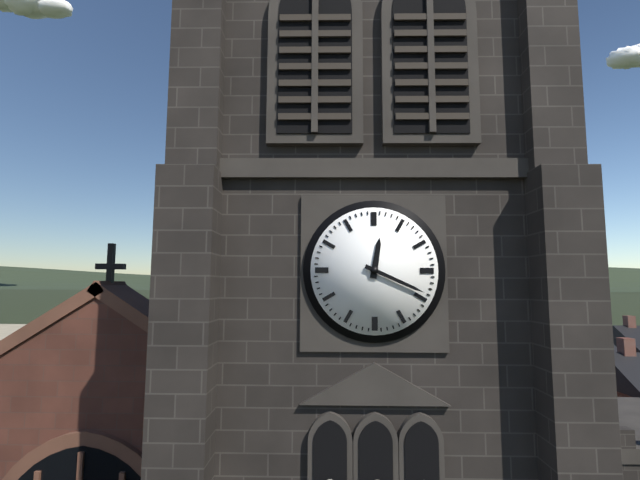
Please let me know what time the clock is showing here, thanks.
12:19
